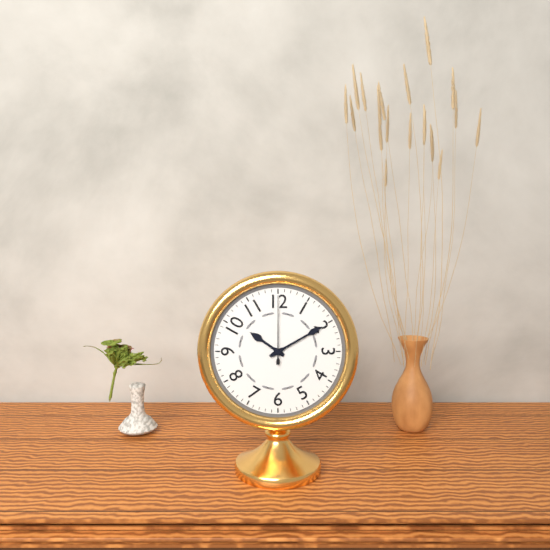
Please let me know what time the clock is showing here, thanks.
10:10:00
